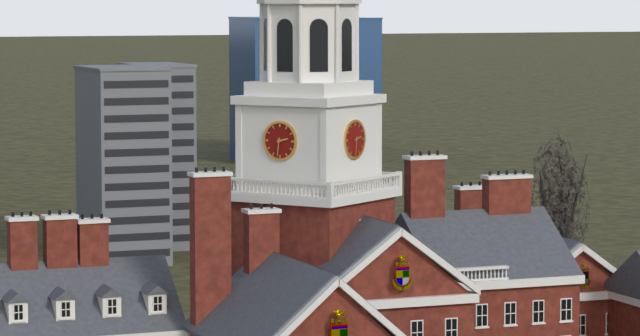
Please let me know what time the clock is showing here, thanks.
2:31
